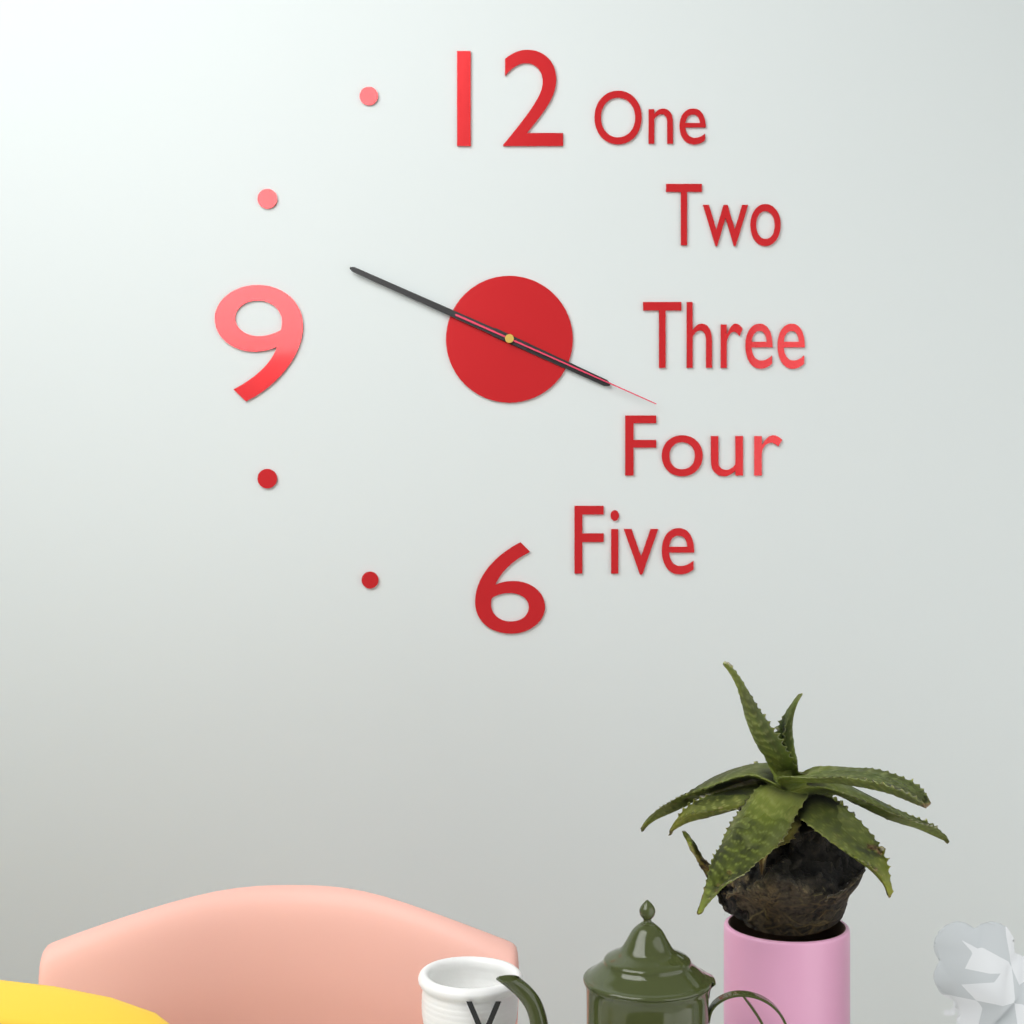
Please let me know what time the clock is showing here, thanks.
3:49:19
